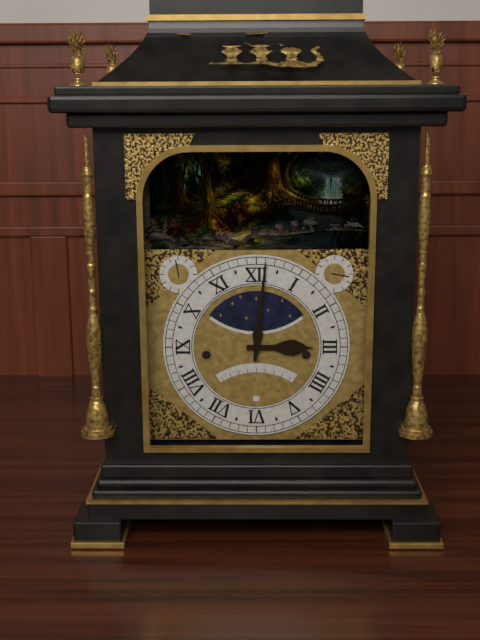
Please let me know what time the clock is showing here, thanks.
3:01
